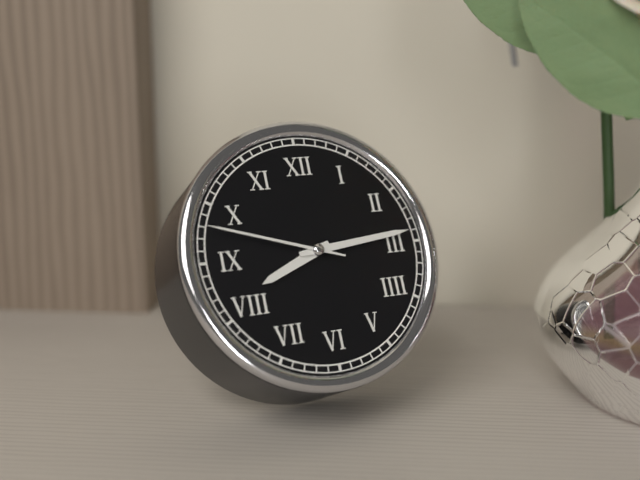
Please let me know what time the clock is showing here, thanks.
8:14:48
